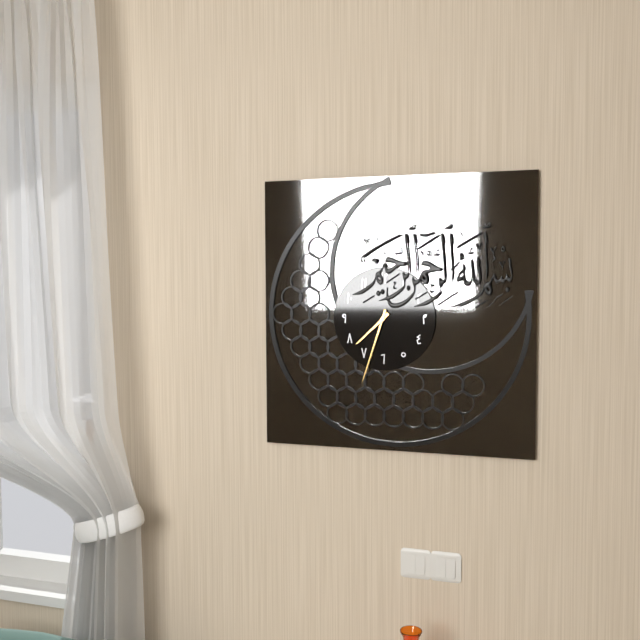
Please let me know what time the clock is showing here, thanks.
7:33
